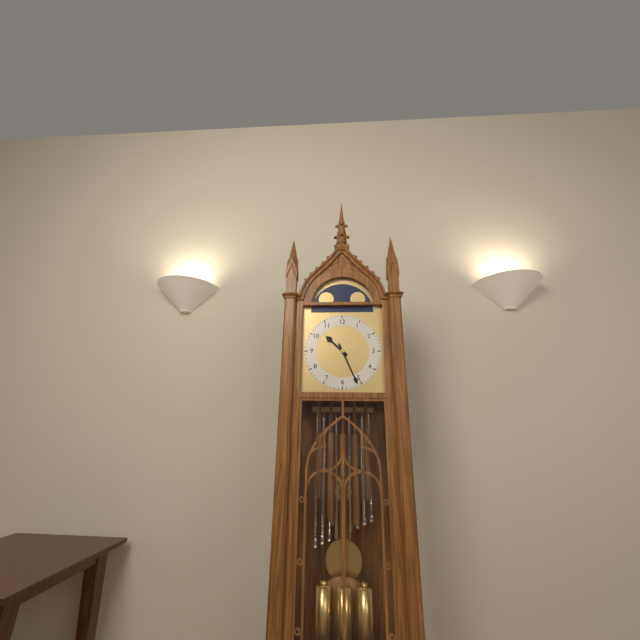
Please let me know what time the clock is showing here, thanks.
10:26
